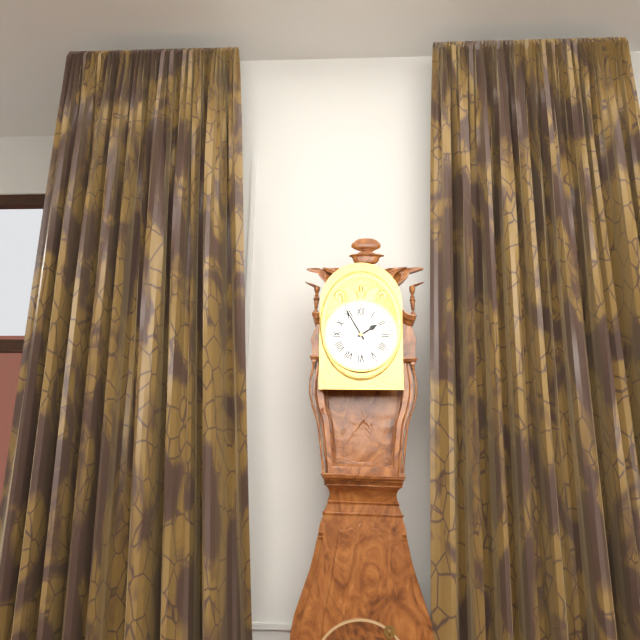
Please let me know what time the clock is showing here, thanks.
1:55
